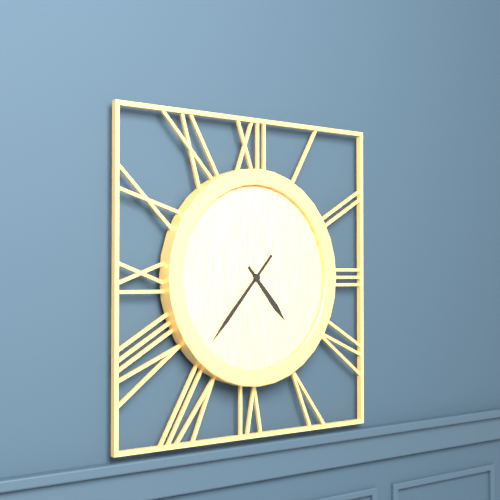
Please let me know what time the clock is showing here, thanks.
4:37
